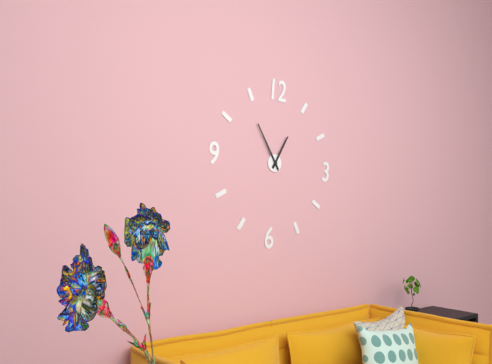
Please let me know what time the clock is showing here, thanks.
12:54
